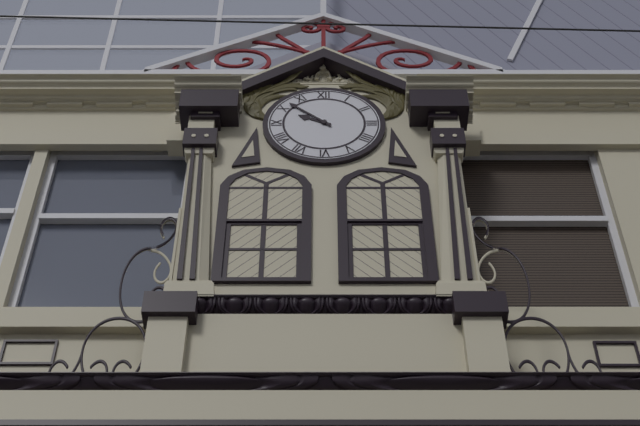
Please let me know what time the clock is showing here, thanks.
9:52
